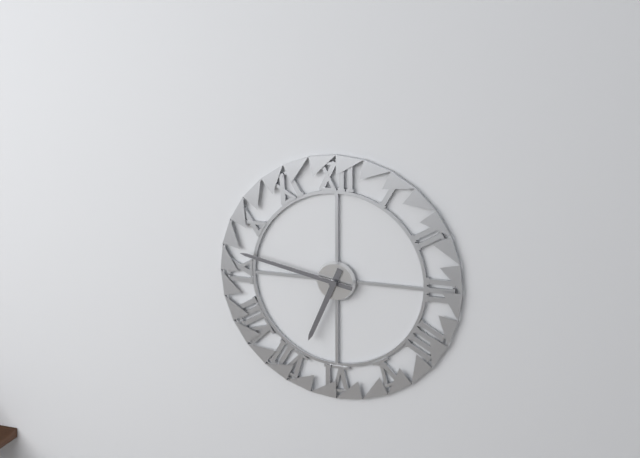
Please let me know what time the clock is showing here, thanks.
6:47
